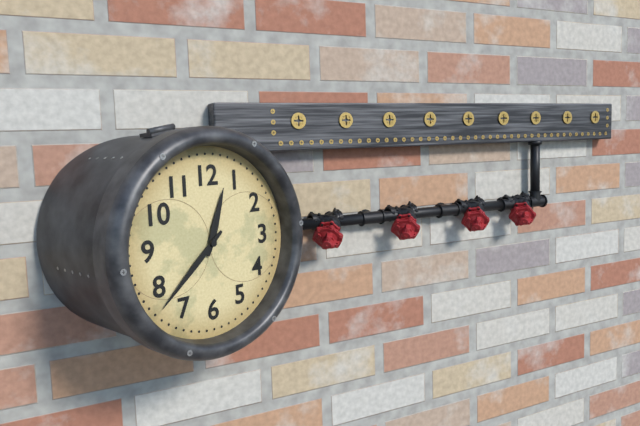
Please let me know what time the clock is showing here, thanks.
12:38
